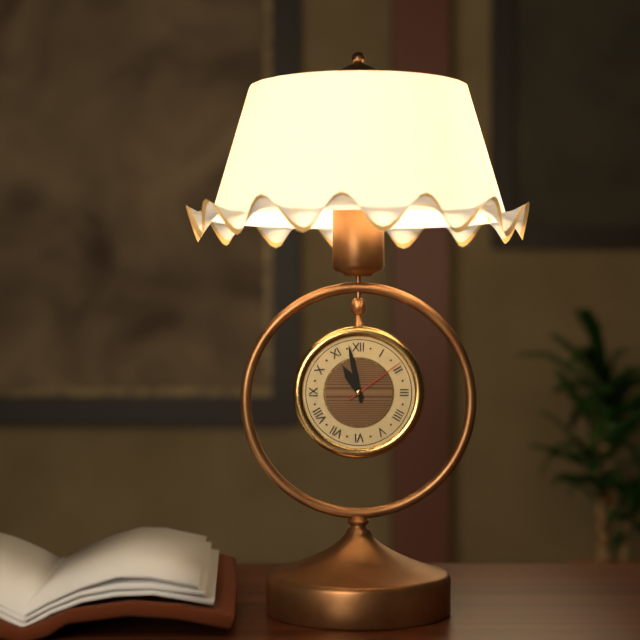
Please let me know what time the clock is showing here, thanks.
10:58:09
